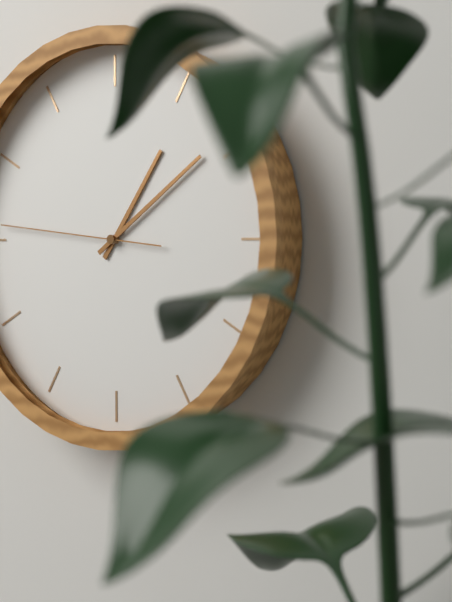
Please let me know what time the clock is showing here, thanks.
1:09:46
